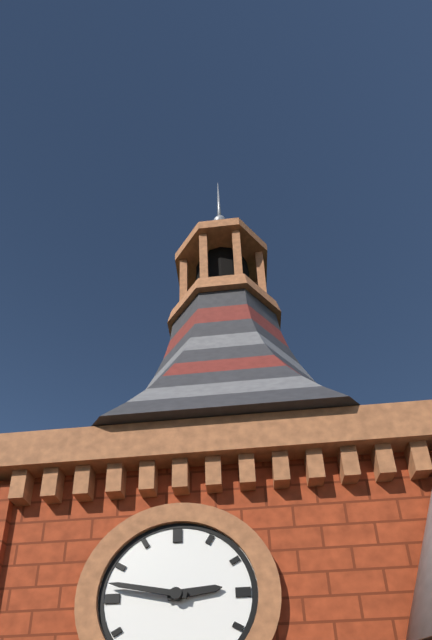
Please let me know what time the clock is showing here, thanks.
2:47
